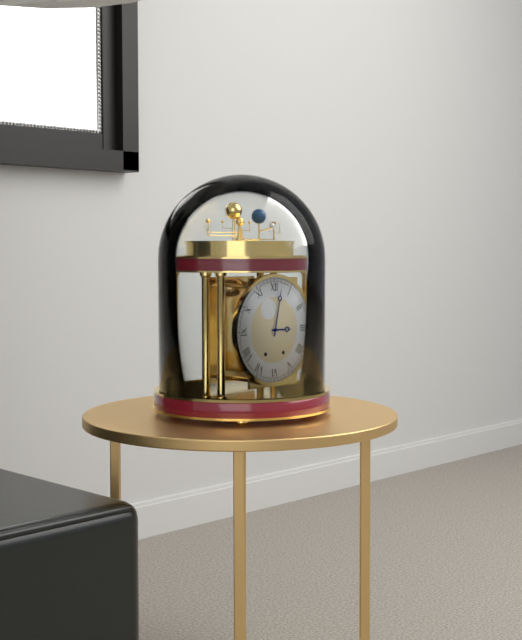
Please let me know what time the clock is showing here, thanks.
3:02
